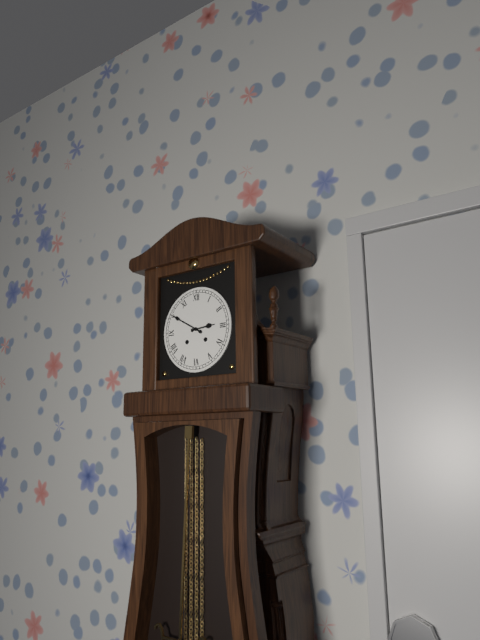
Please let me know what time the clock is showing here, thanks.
2:50
